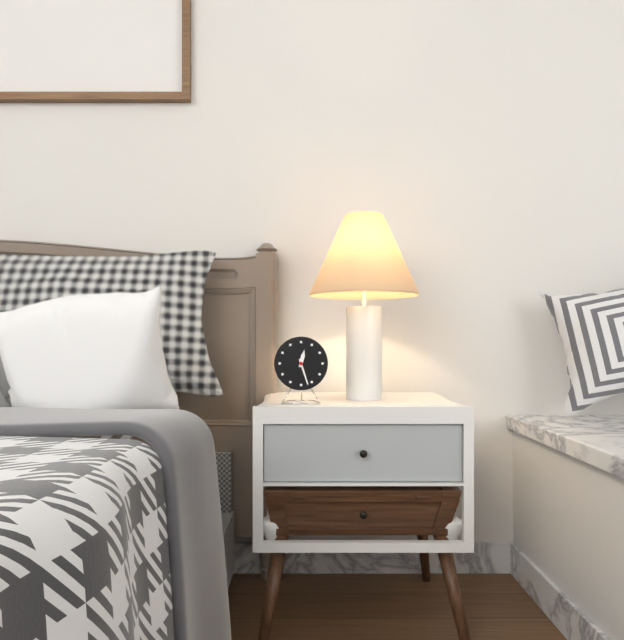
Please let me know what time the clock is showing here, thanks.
12:27
